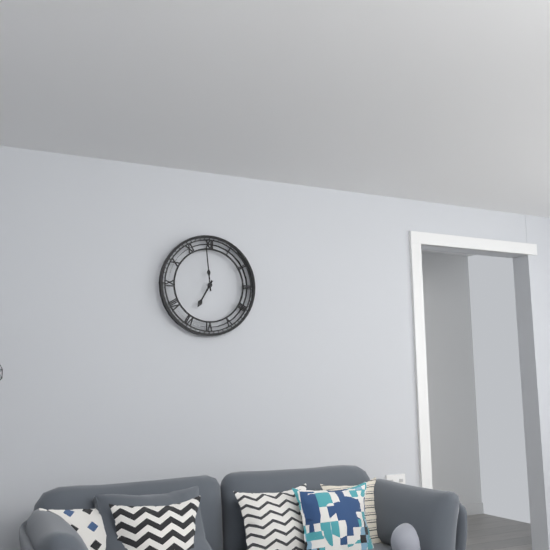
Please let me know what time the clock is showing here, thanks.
6:59
